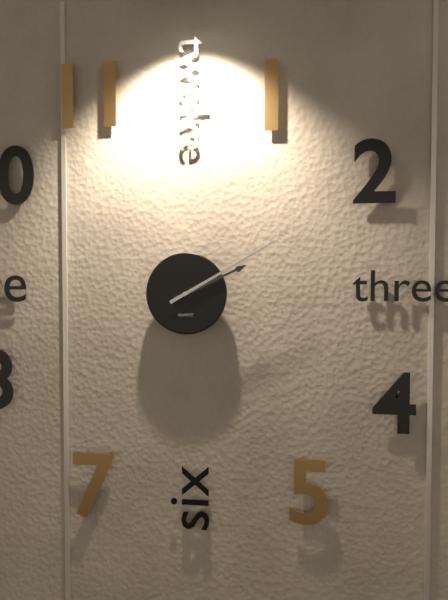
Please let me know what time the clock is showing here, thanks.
2:10
